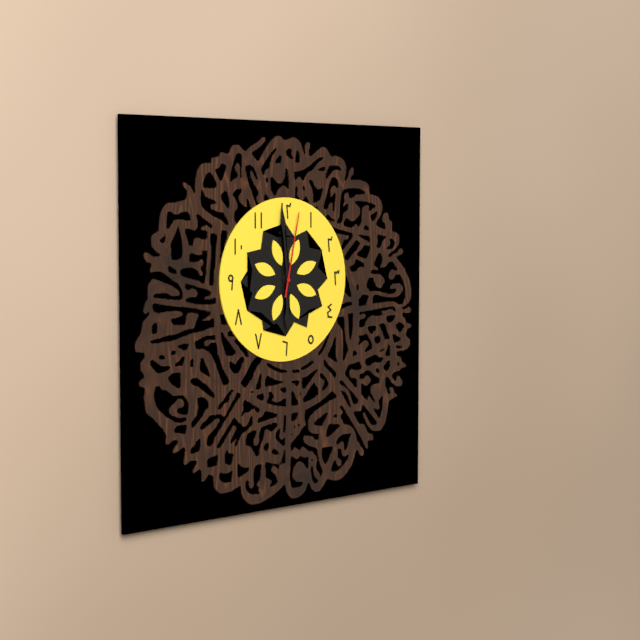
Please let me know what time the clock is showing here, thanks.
5:59:02
